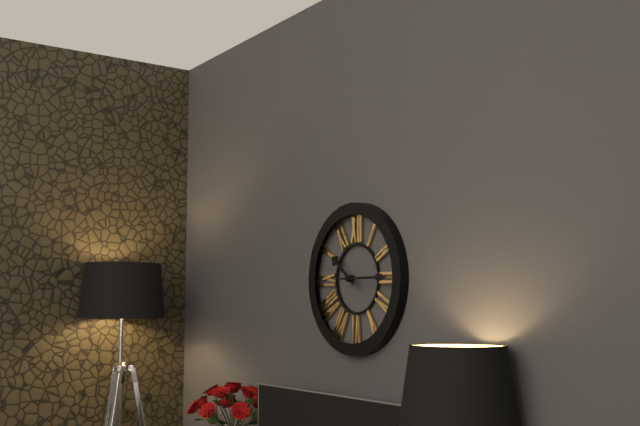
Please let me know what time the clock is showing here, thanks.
10:15
